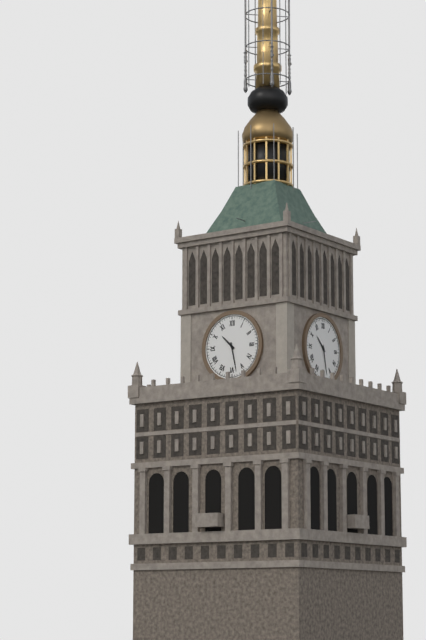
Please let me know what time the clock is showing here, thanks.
10:28
